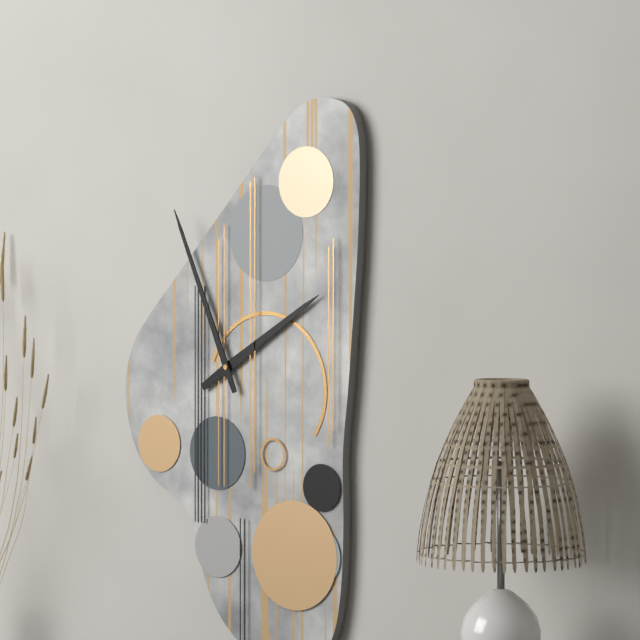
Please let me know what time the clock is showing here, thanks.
1:56
